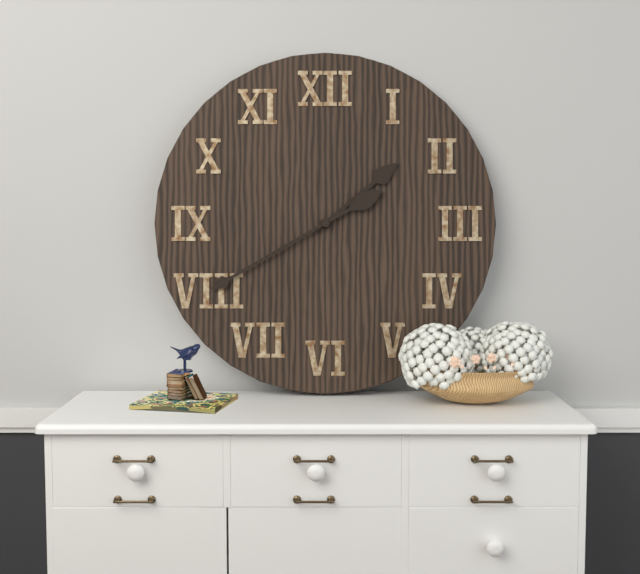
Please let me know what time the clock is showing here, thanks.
1:40
